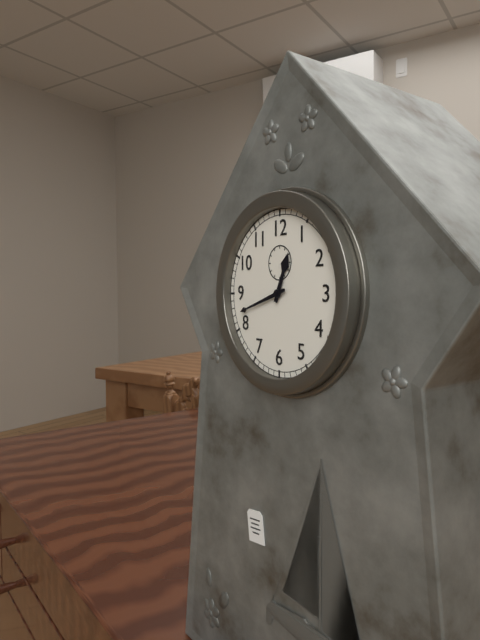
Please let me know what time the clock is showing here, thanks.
12:42
